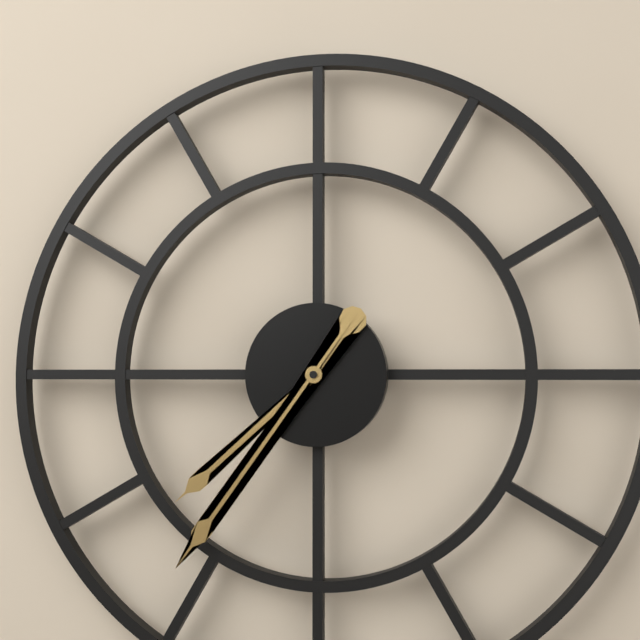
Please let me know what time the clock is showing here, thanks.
7:36
